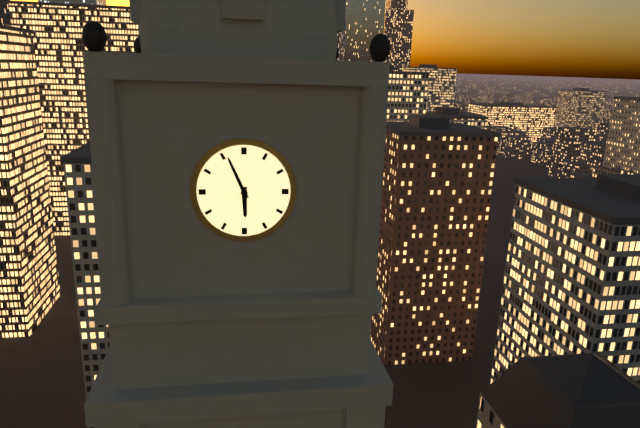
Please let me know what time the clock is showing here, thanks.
5:56
